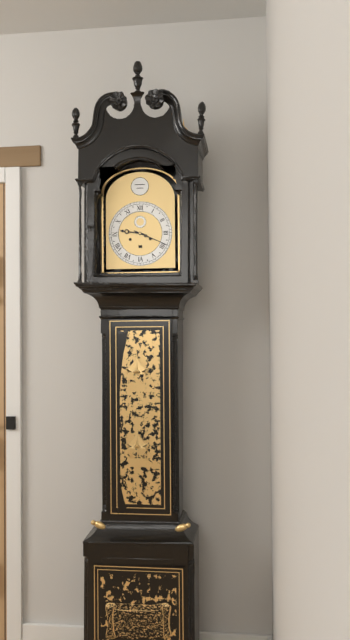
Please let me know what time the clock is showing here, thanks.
9:19
